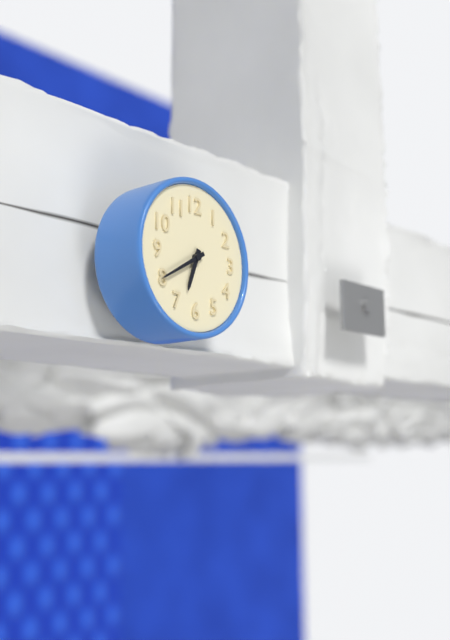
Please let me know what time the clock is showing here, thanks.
6:40
